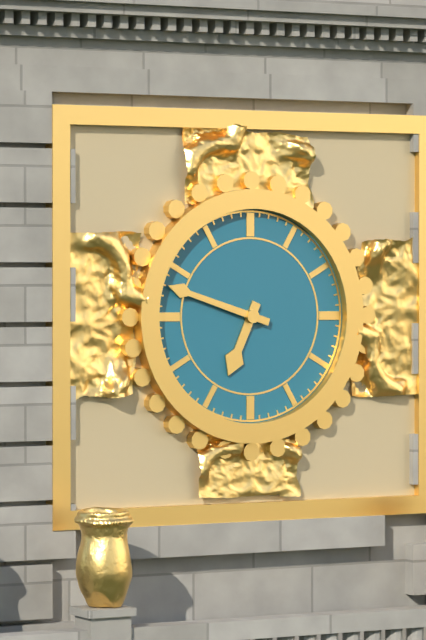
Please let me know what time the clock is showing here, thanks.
6:48
